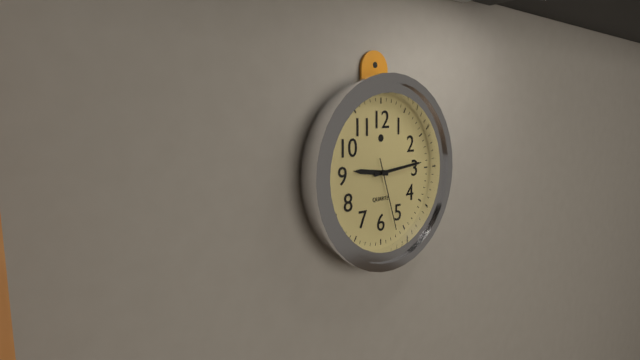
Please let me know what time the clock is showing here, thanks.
9:14:27
